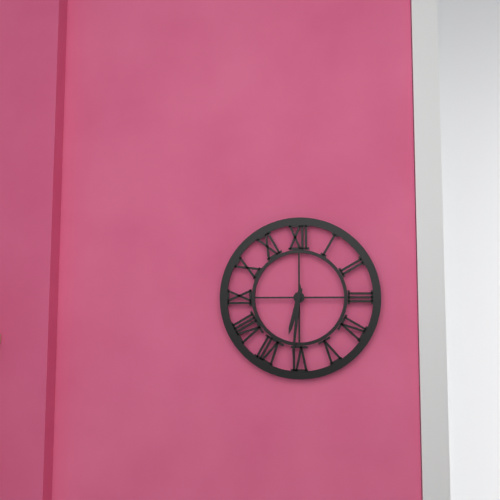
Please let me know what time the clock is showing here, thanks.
6:31
